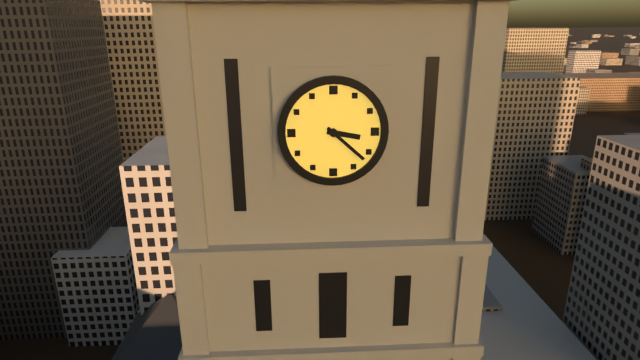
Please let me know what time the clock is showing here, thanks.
3:22
